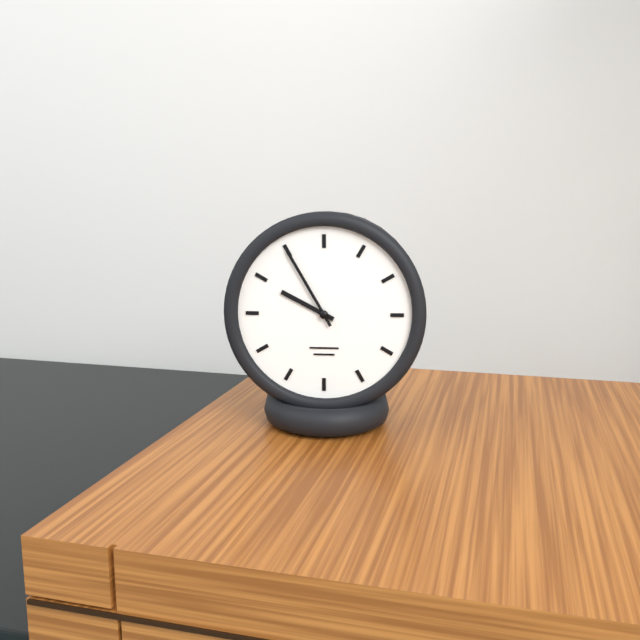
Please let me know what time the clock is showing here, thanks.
9:55
